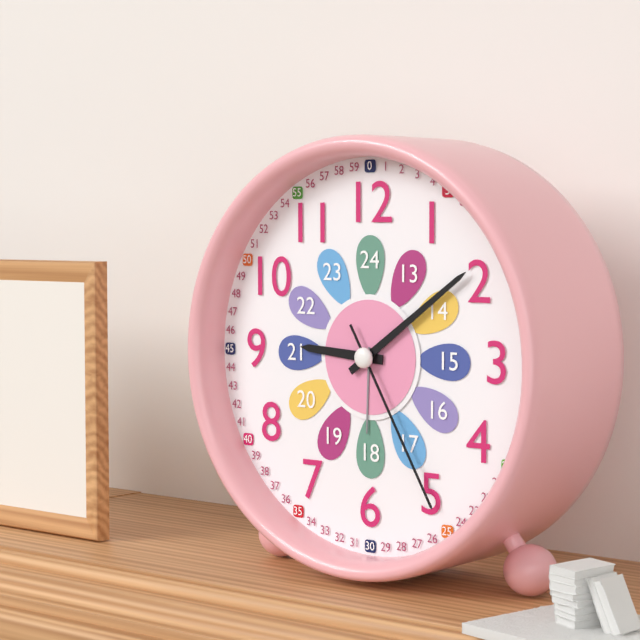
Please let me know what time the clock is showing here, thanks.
9:09:25
